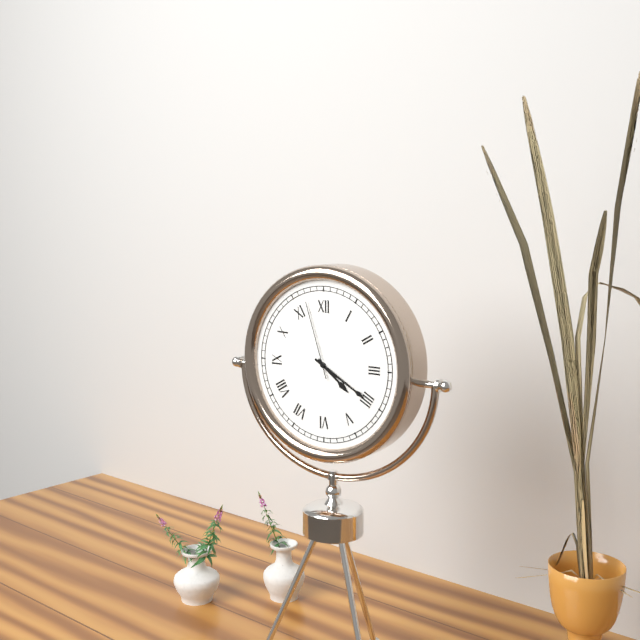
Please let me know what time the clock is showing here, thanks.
4:20:57
